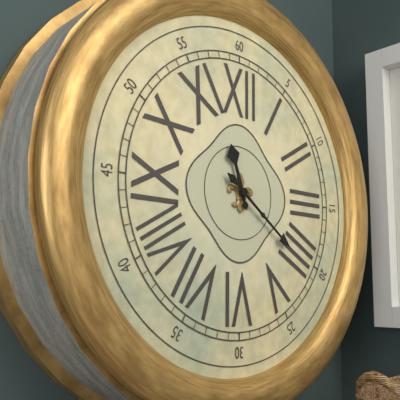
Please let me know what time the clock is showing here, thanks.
11:21
